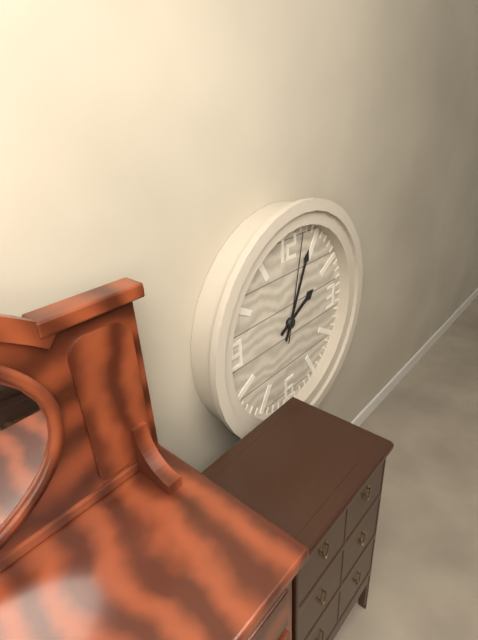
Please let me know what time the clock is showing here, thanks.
2:04:02
